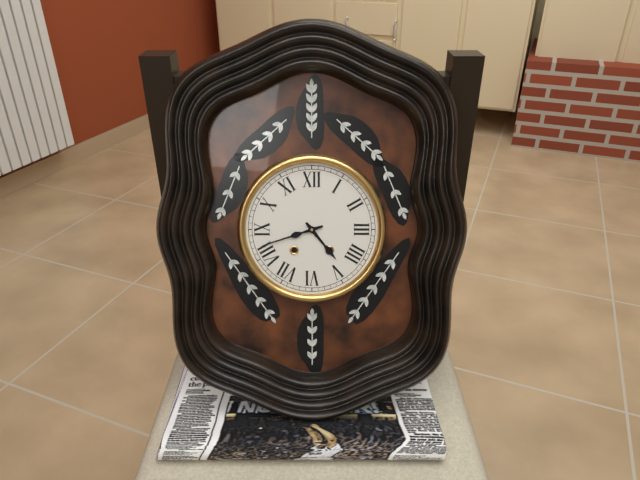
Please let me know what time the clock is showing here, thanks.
4:42
